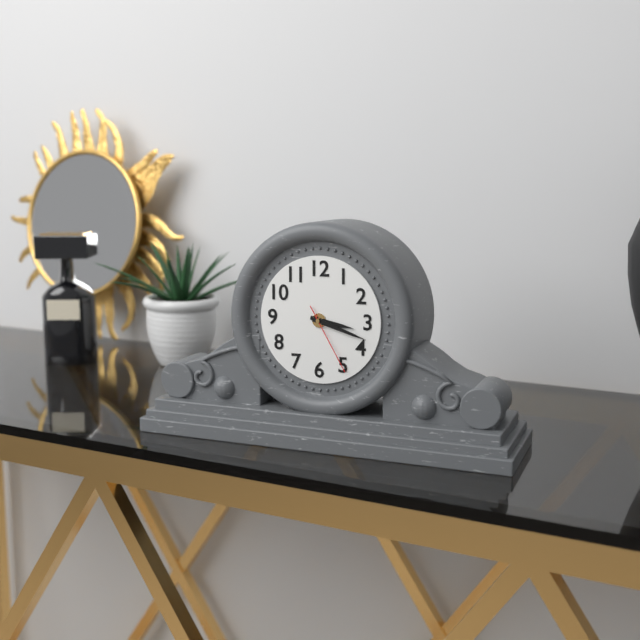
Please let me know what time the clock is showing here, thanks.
3:18:25
